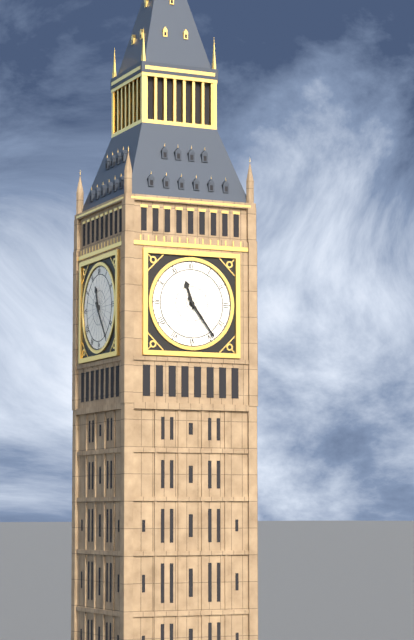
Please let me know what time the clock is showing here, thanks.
11:24
